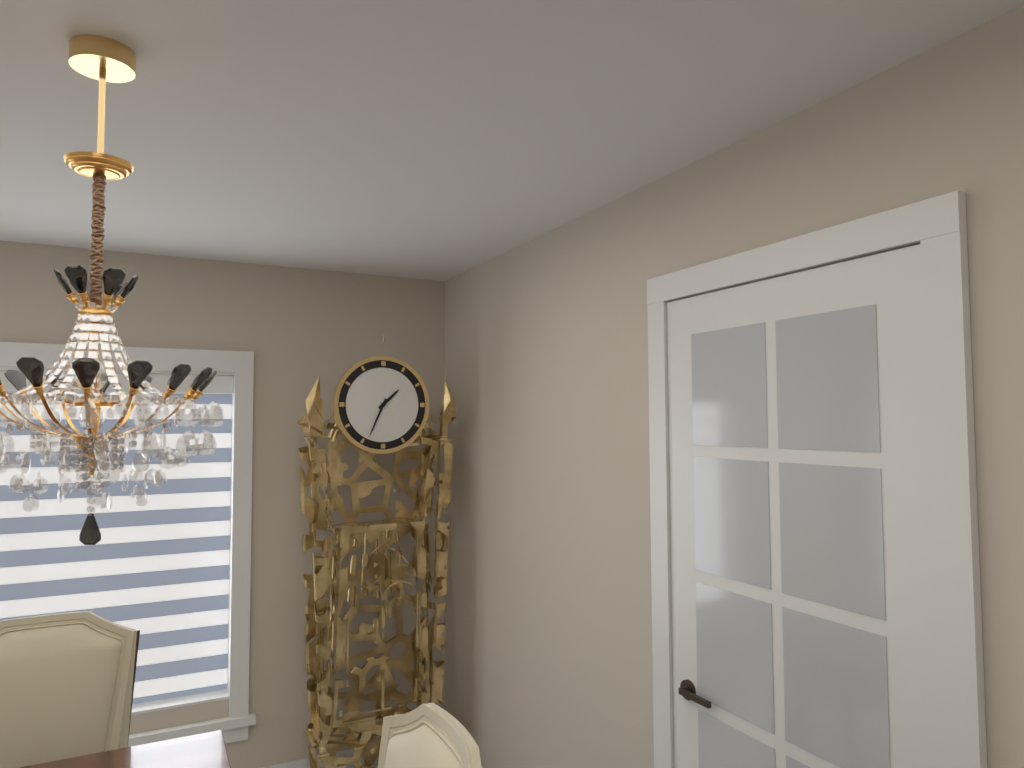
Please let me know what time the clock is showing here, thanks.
1:34
